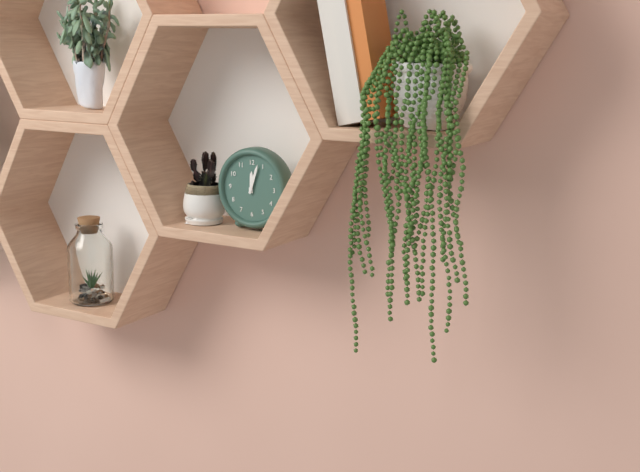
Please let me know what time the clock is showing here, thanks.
12:03
